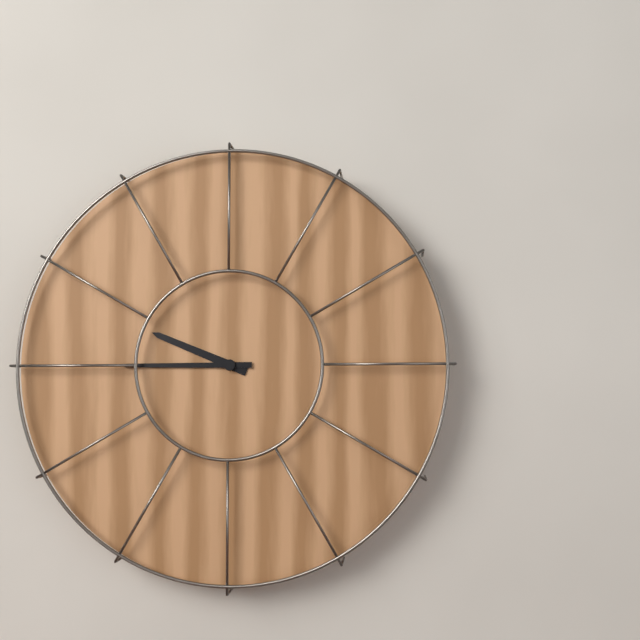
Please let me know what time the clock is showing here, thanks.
9:45
